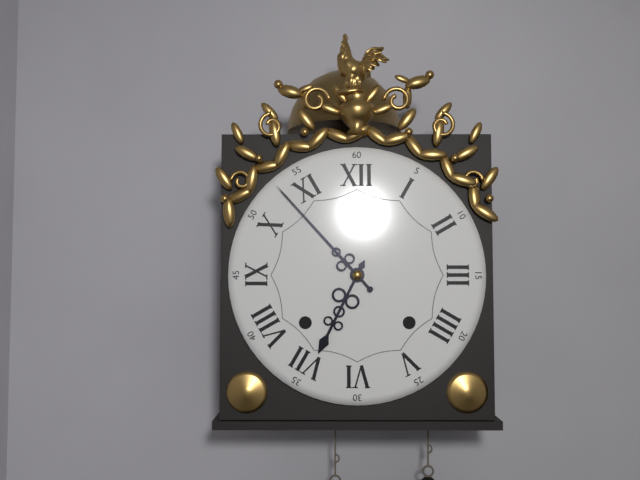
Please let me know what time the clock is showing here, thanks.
6:53
